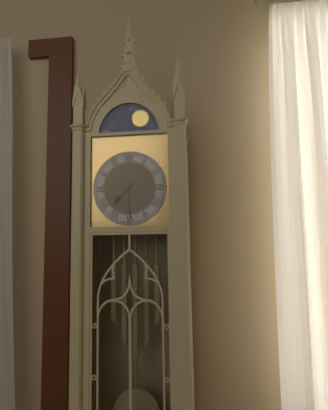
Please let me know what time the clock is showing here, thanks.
7:30
